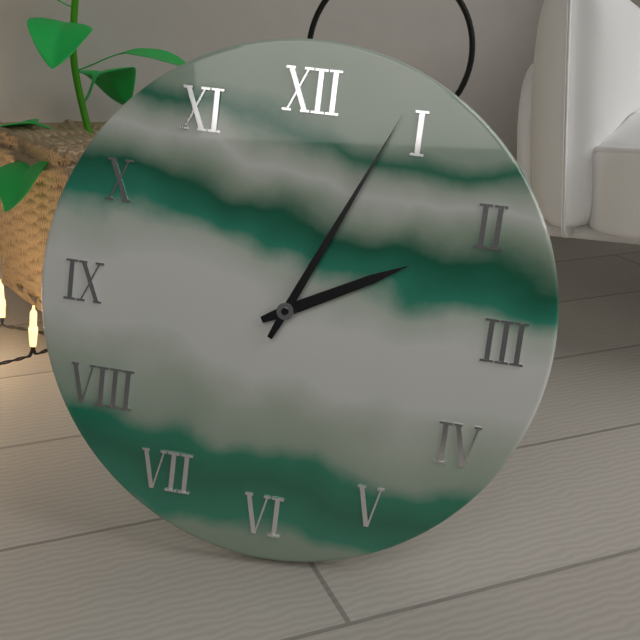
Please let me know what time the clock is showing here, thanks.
2:04
